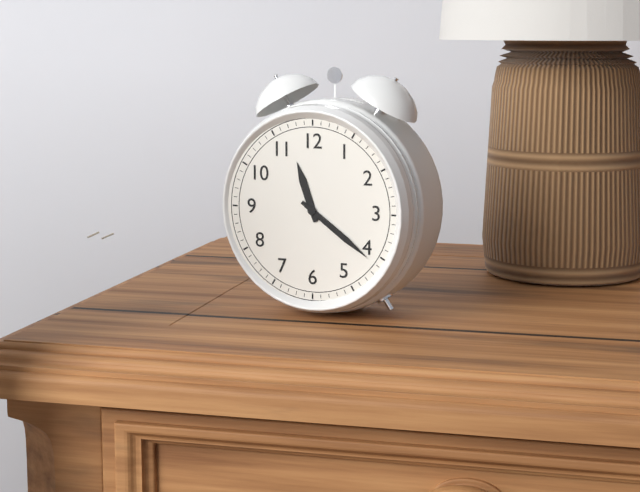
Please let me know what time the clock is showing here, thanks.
11:21
